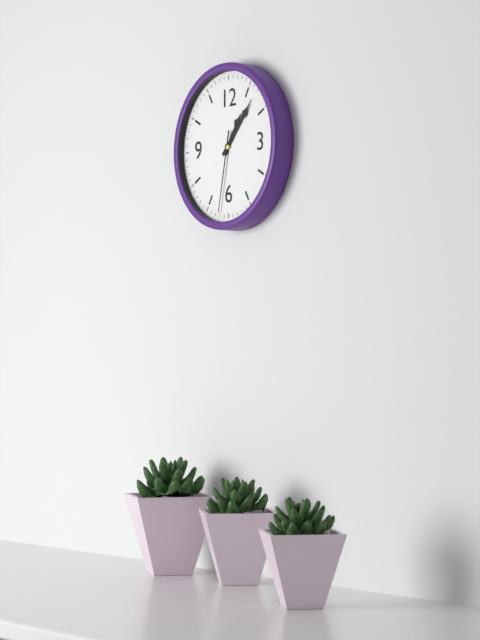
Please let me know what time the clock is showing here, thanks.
1:07:32
